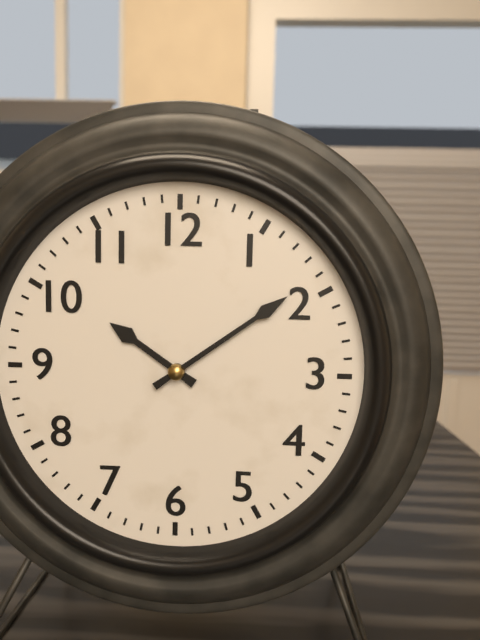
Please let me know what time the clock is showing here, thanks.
10:09
